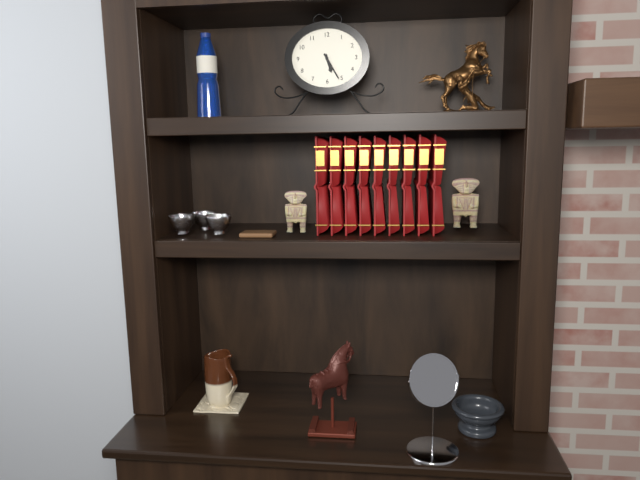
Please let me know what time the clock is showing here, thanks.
5:25
